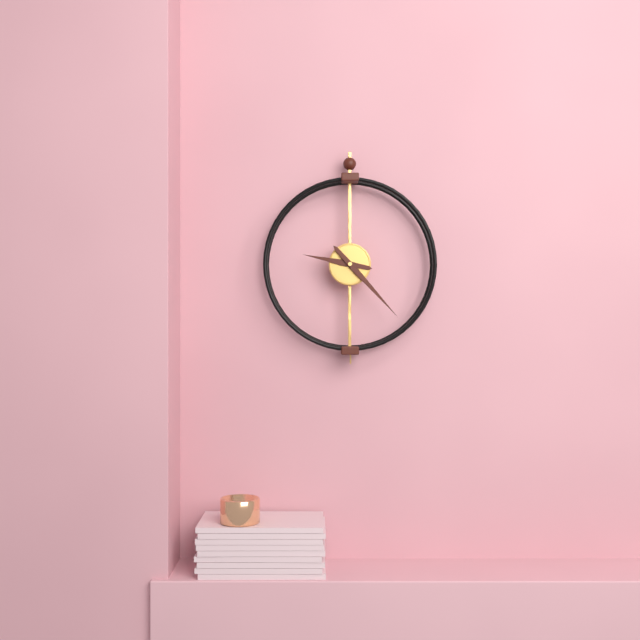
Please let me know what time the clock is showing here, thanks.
9:23
